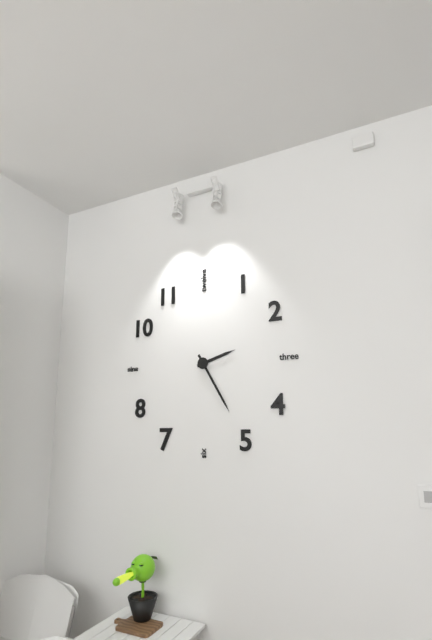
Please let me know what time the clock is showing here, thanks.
2:25
